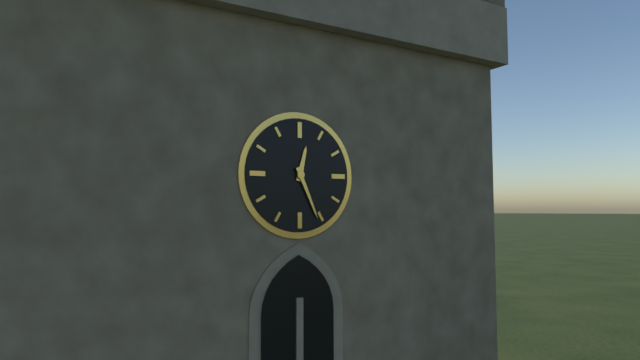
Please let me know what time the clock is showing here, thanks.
12:26
